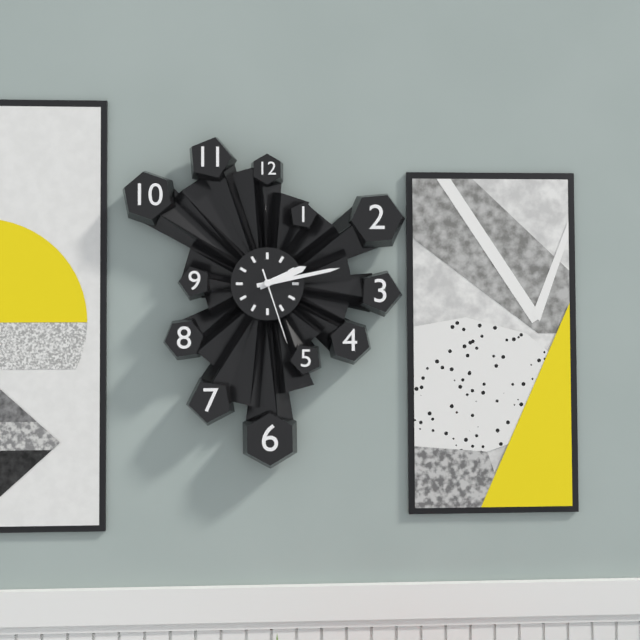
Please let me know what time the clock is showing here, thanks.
2:13:27
